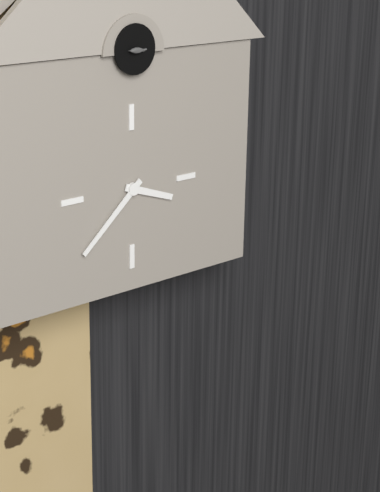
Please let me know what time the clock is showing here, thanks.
3:38
